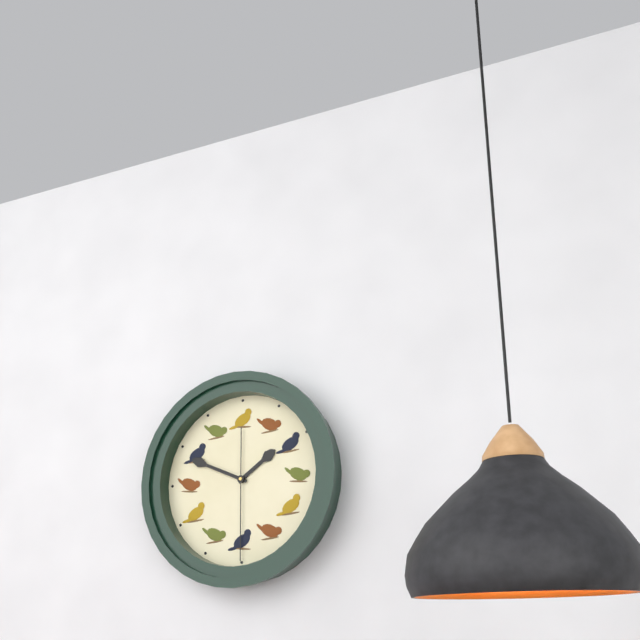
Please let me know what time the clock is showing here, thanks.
1:49:30
